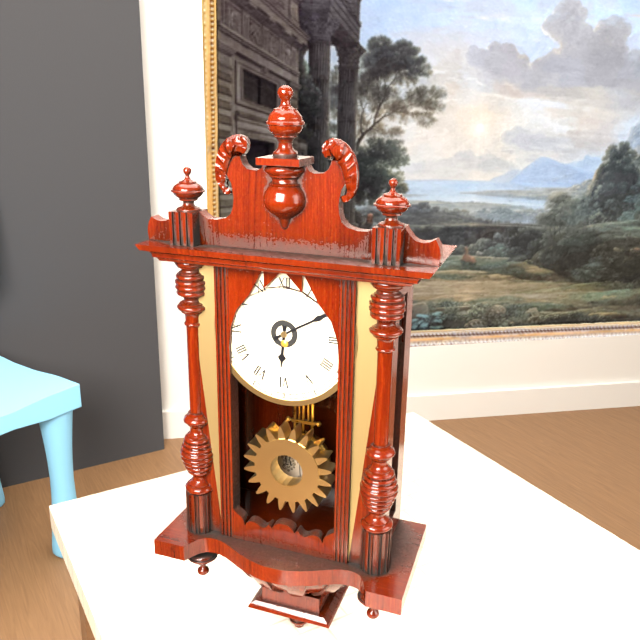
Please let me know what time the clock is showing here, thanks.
6:10
